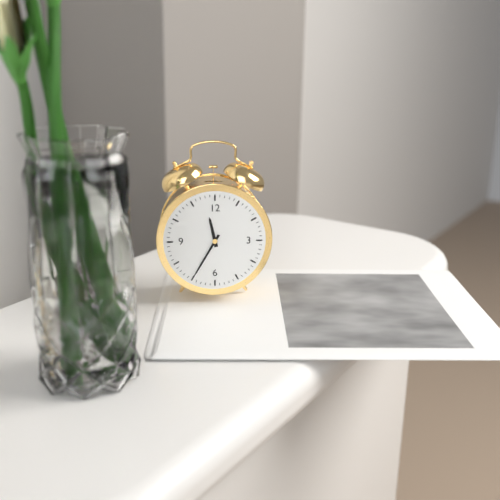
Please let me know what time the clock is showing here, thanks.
11:35
